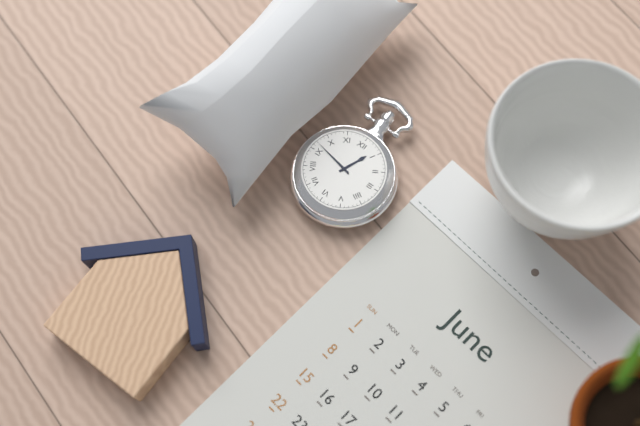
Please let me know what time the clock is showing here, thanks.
12:47
